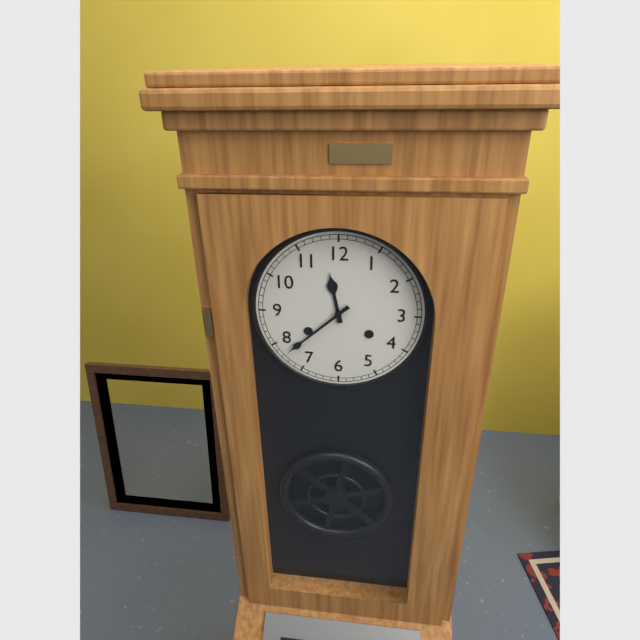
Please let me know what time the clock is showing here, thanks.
11:38
